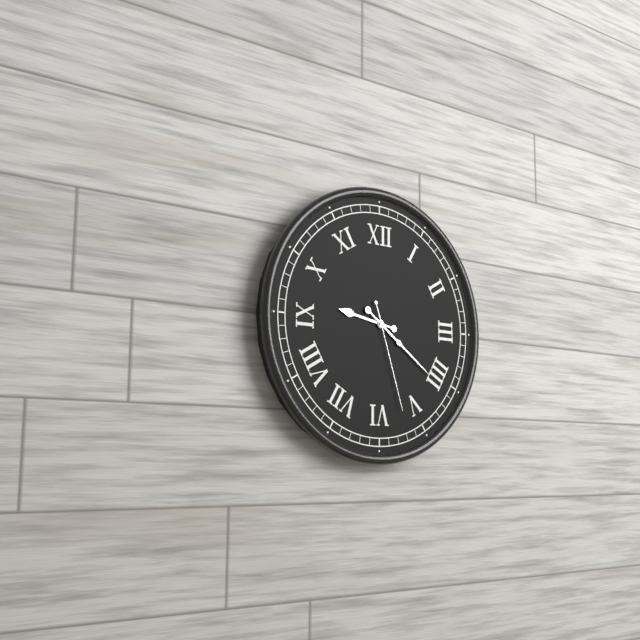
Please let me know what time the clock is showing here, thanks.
9:21:27
